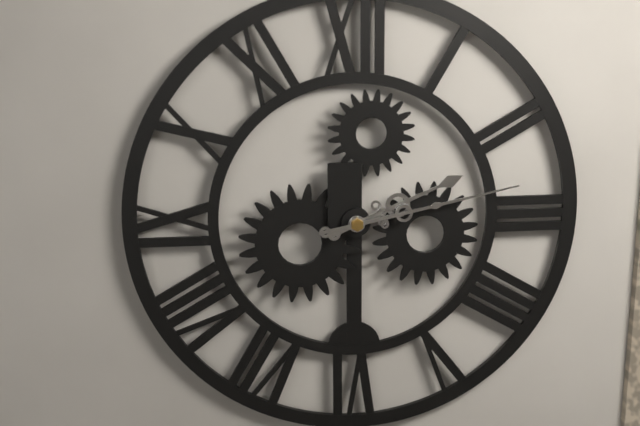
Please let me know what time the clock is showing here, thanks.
2:13
